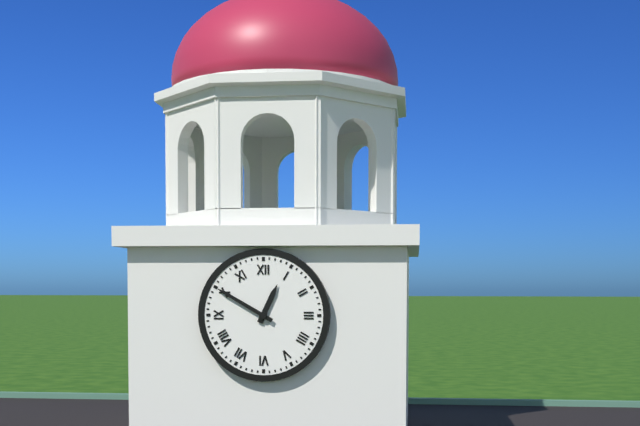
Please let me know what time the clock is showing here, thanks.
12:50
